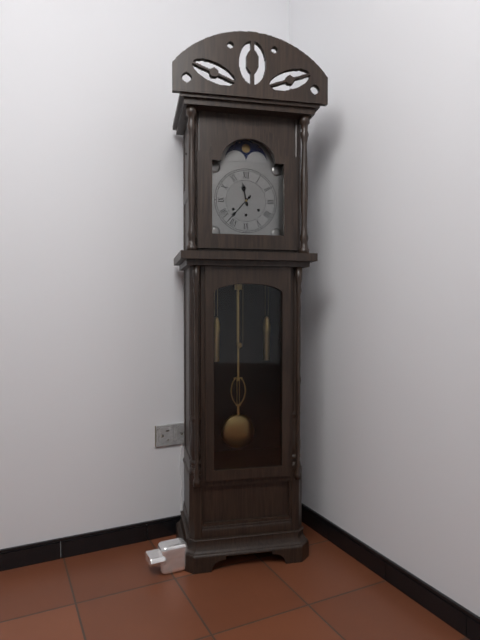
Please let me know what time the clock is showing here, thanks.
11:37
